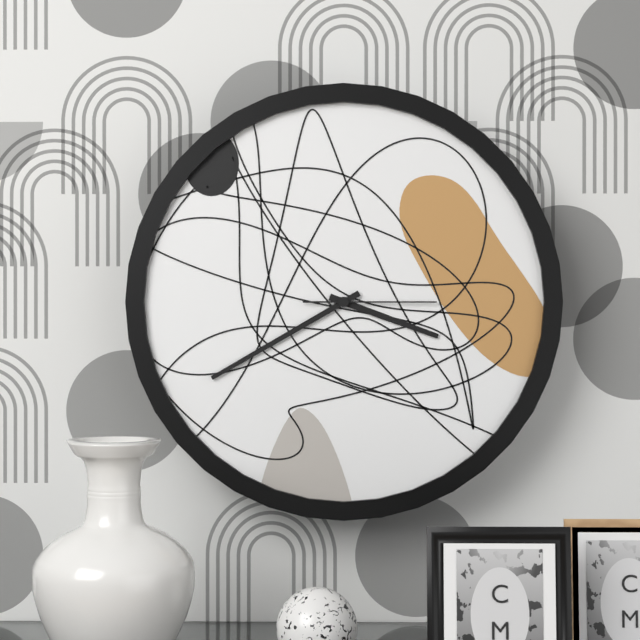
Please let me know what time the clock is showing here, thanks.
3:40:15
